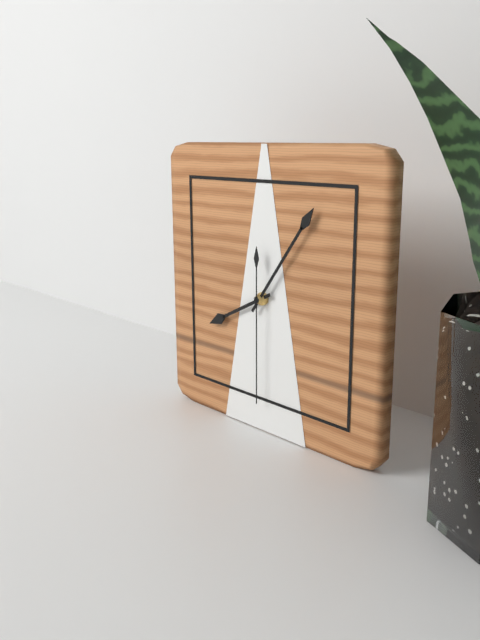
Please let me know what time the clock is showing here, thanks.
8:06:30
